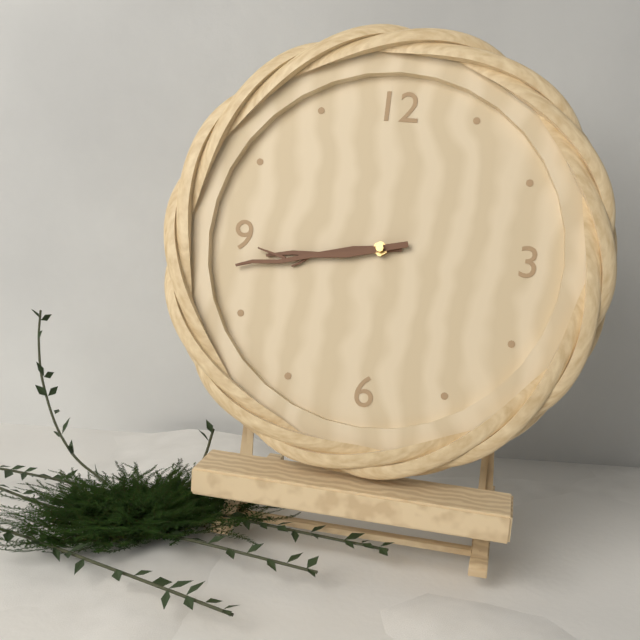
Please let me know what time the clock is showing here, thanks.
8:43
